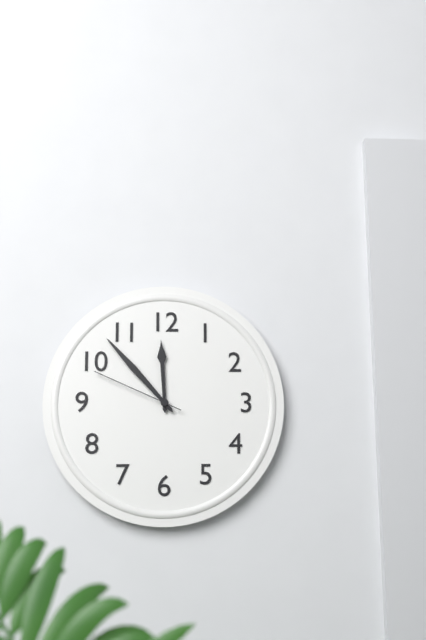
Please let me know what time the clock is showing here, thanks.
11:53:49
